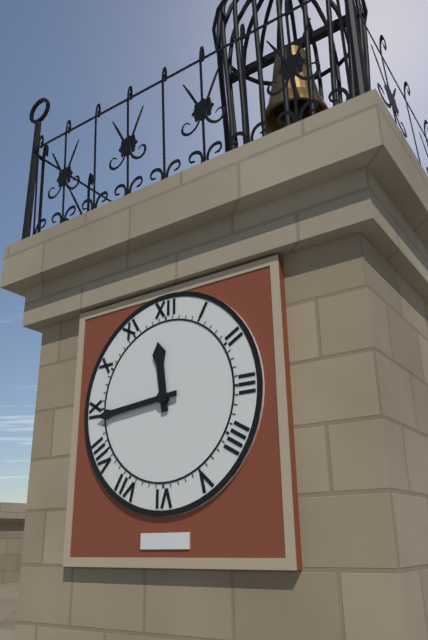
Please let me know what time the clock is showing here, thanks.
11:44
